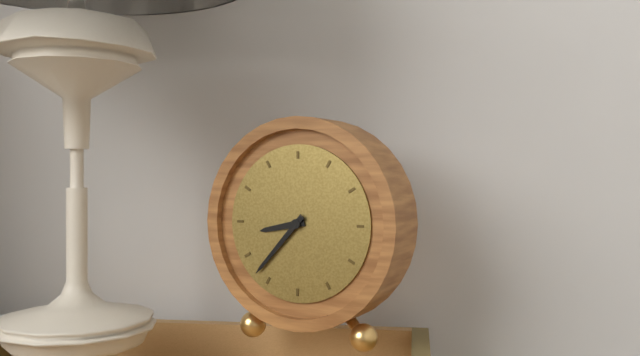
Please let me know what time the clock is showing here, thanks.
8:37
